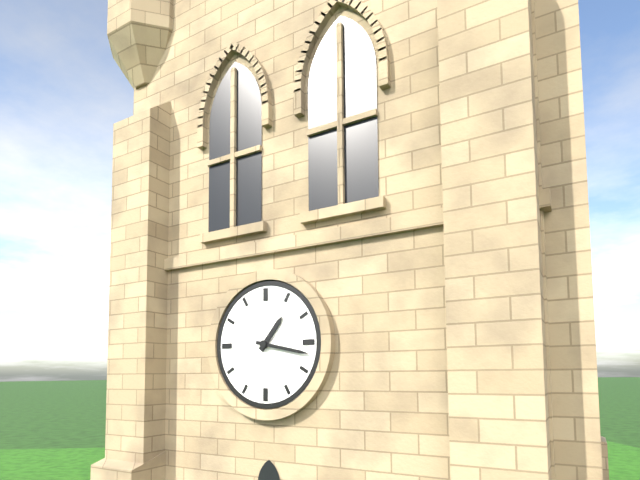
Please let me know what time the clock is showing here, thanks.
1:17
